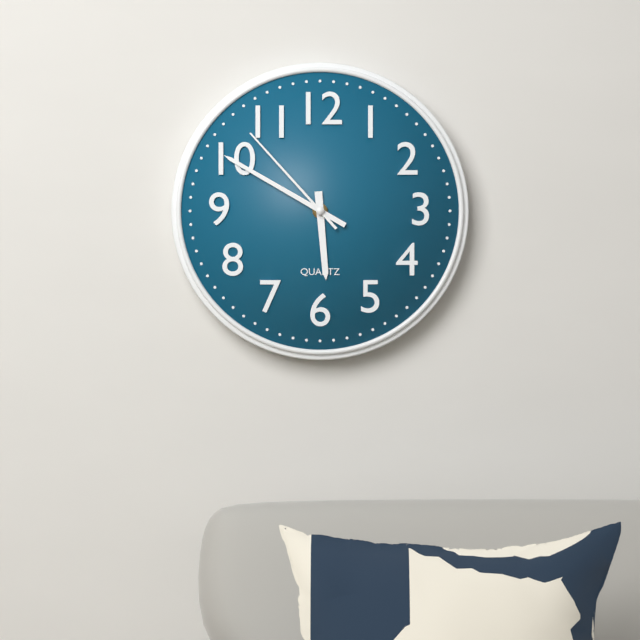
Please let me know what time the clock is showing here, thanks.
5:50:53
